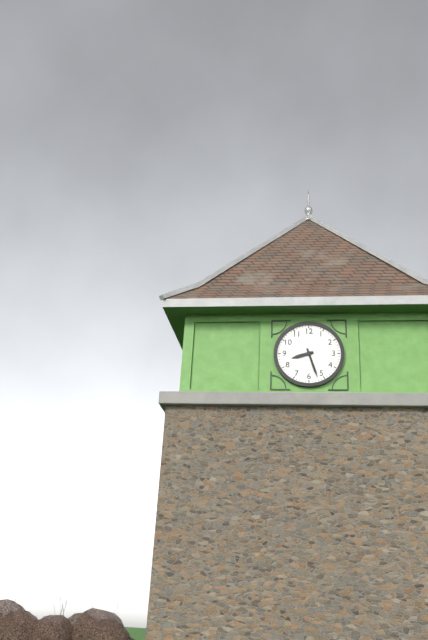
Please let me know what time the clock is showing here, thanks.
8:27
